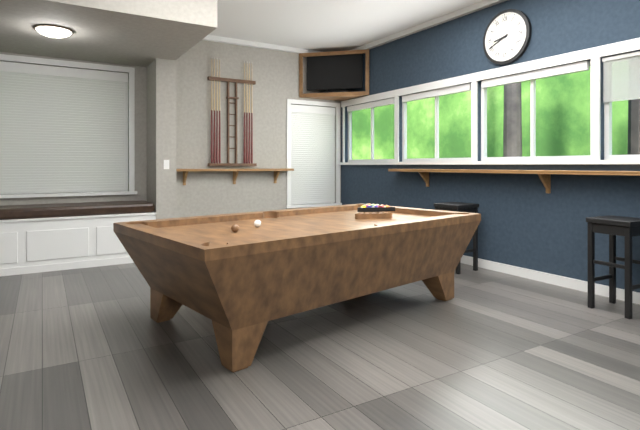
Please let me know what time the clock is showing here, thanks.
8:41
